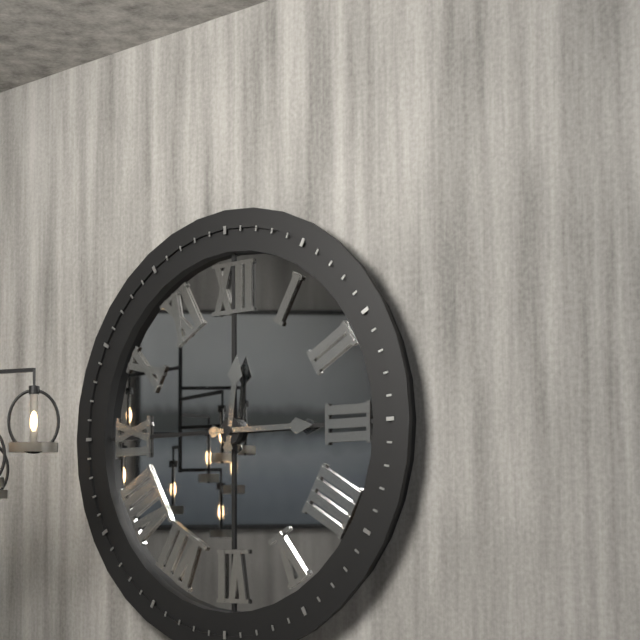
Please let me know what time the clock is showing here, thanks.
12:15
